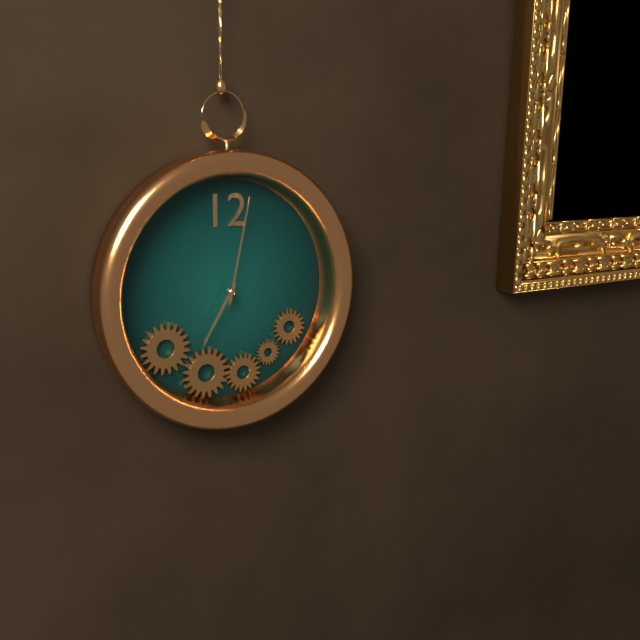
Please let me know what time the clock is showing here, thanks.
7:02
